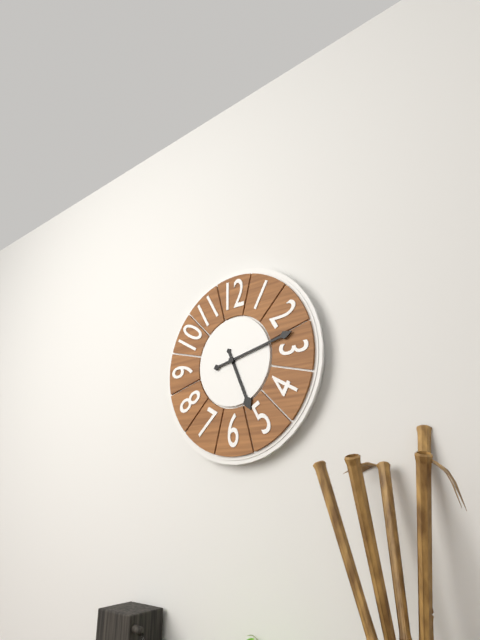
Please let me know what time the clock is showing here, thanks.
5:13
